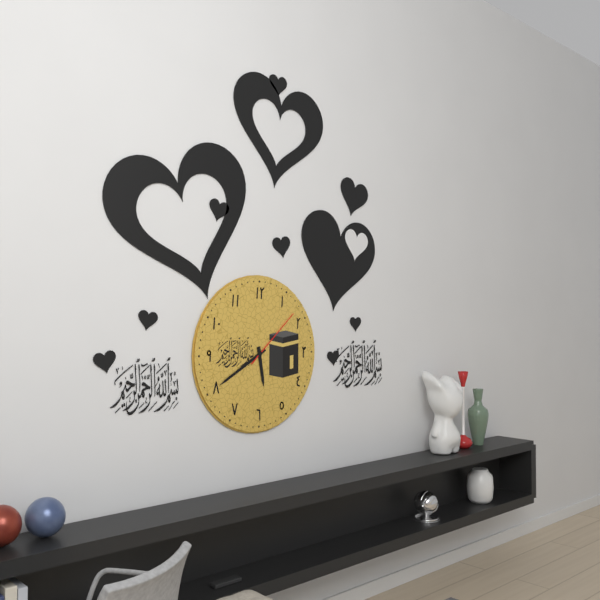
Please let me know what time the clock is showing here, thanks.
5:40:08
